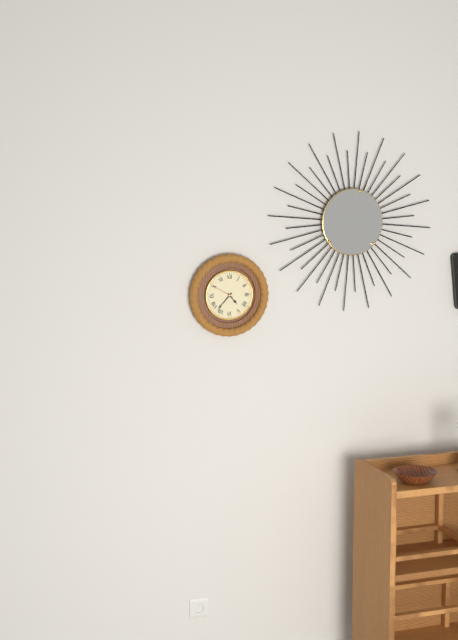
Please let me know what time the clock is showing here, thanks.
4:37
